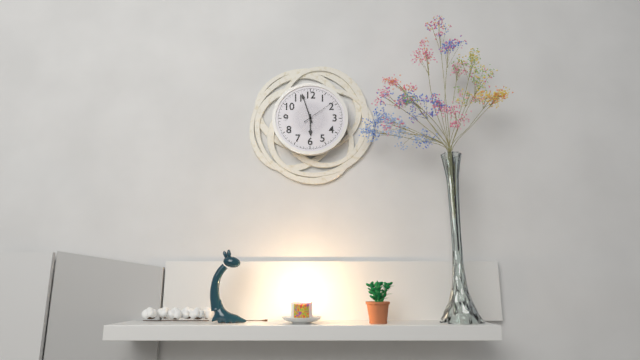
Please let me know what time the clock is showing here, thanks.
5:57
